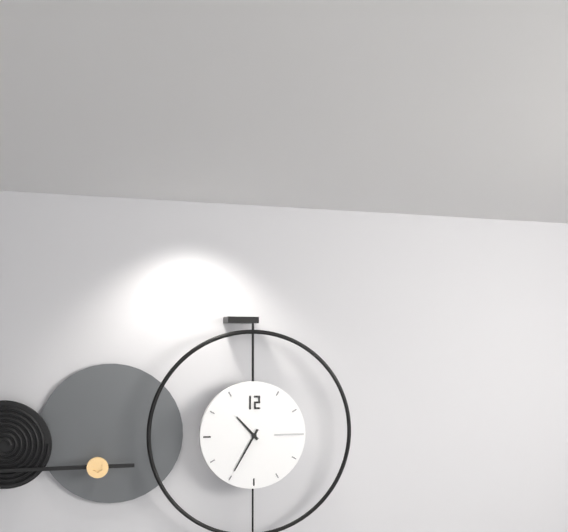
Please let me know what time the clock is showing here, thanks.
10:35
